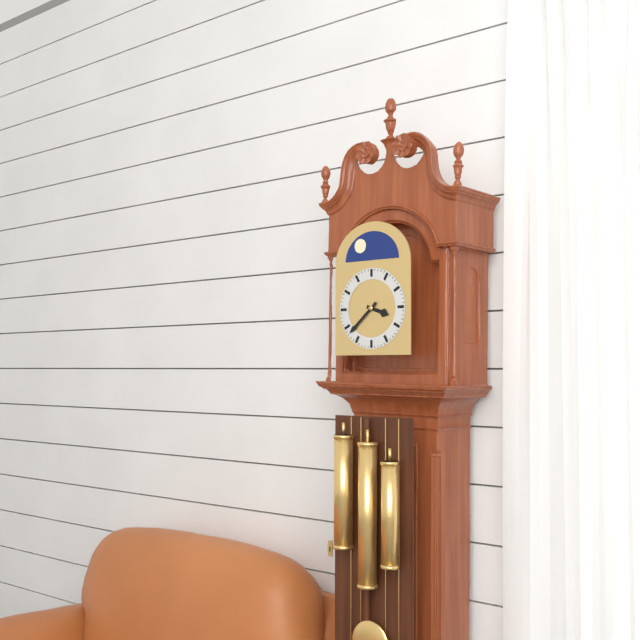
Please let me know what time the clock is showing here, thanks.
3:38
